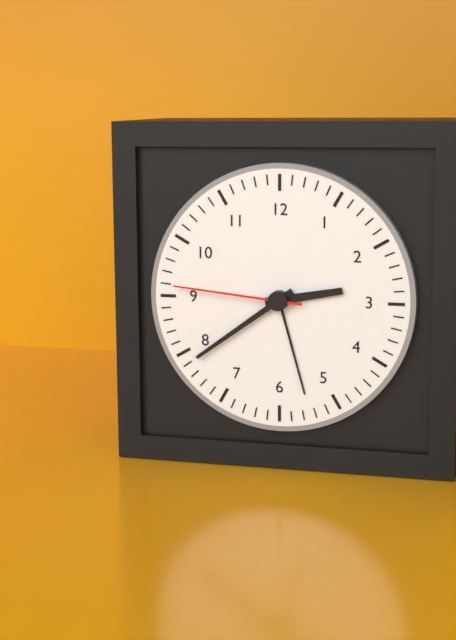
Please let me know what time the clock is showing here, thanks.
2:39:46
